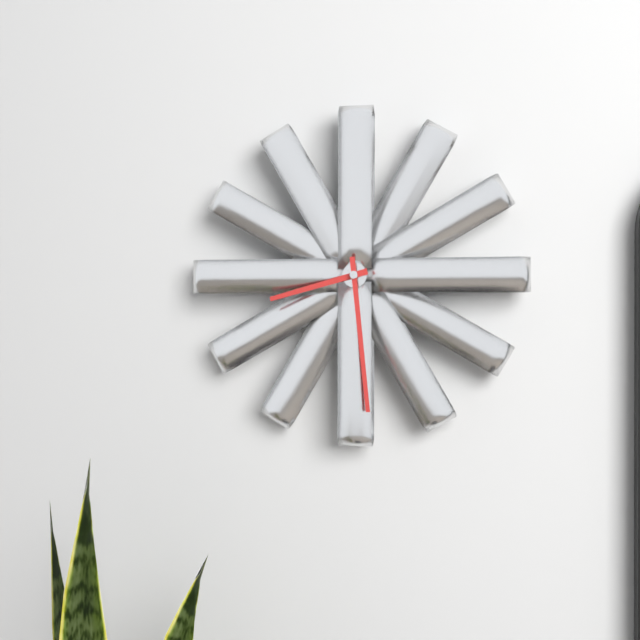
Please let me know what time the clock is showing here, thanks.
8:29
